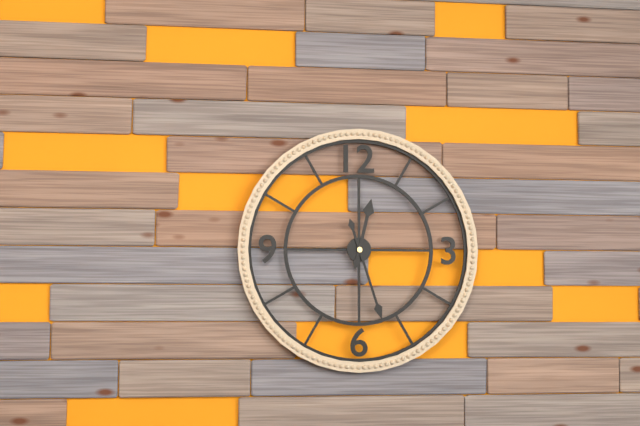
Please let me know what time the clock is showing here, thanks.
12:27
